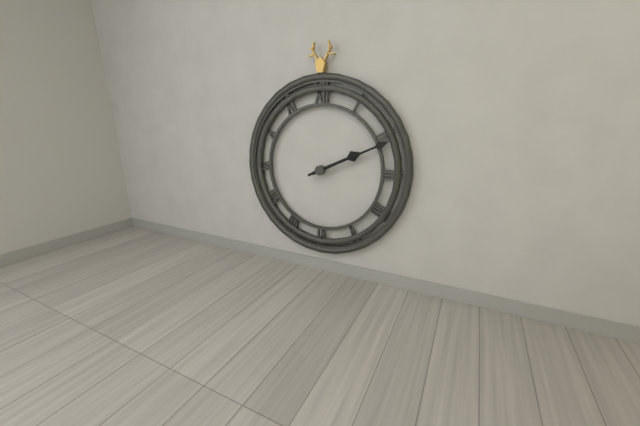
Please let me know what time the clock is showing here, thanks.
2:11
